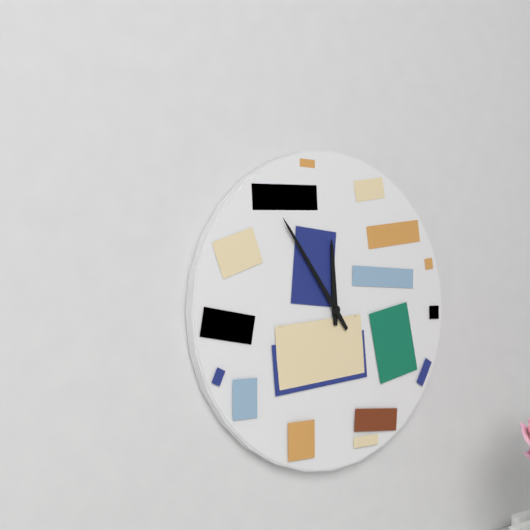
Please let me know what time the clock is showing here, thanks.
11:54
